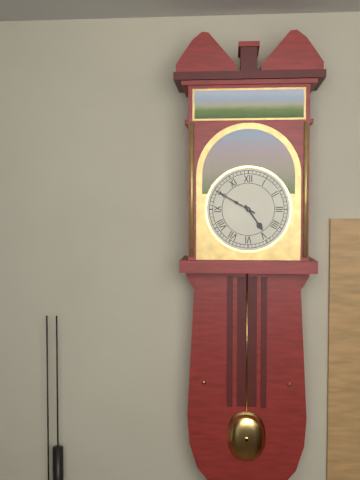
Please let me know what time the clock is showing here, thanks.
4:50
